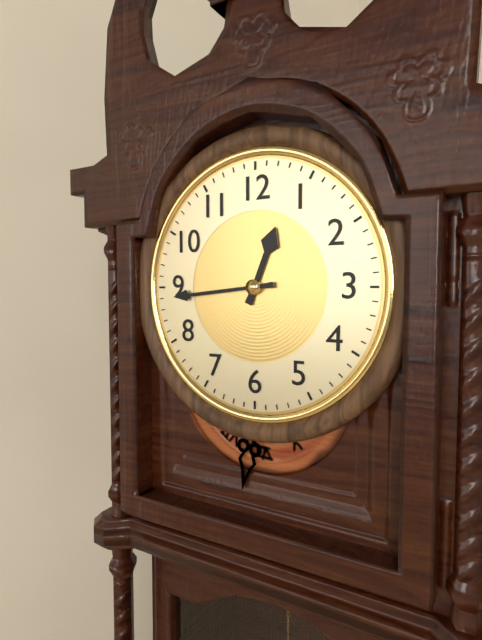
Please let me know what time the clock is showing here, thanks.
12:44
